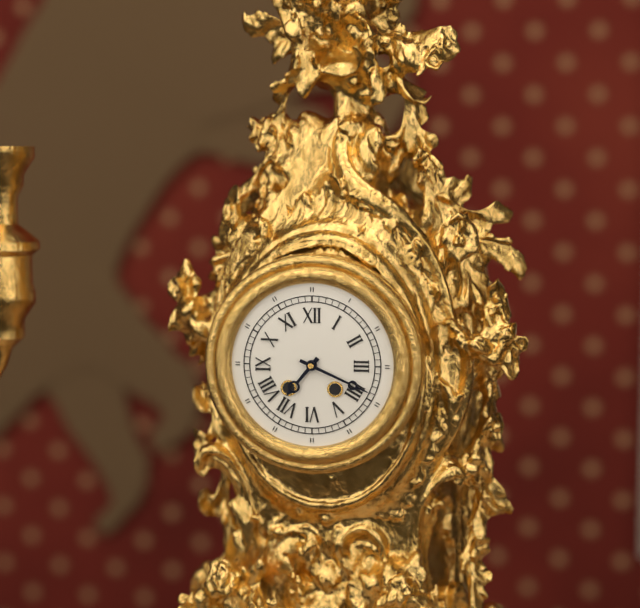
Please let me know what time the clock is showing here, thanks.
7:19
